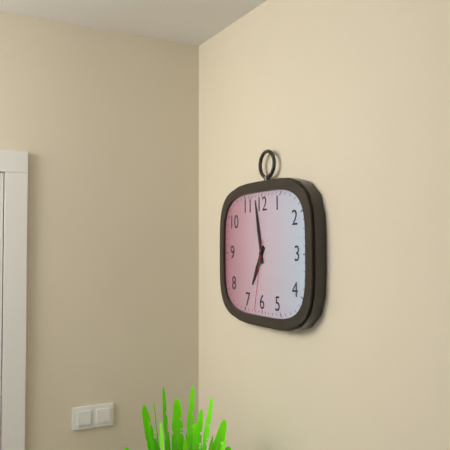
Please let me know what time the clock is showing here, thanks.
6:58:32
